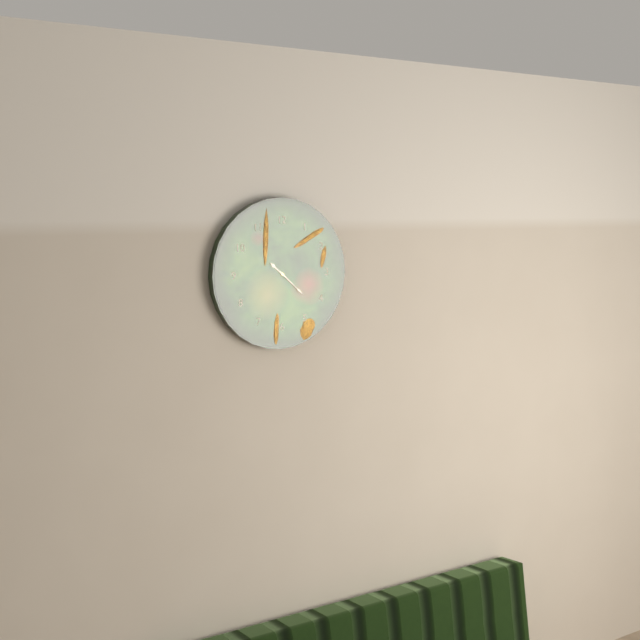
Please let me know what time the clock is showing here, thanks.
10:22
